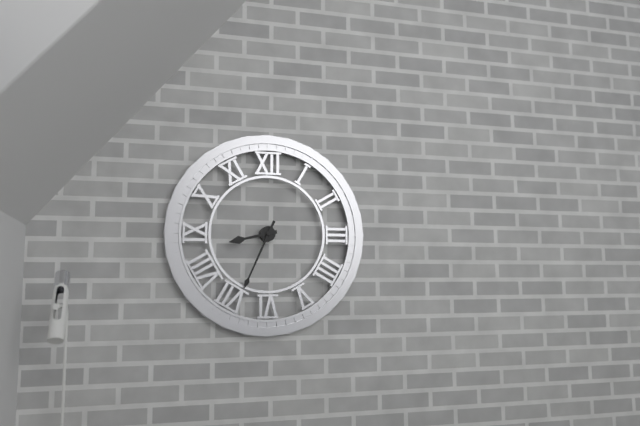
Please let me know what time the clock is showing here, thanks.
8:34
